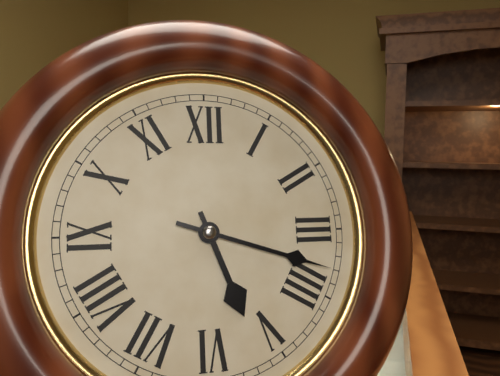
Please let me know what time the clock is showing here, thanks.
5:18
